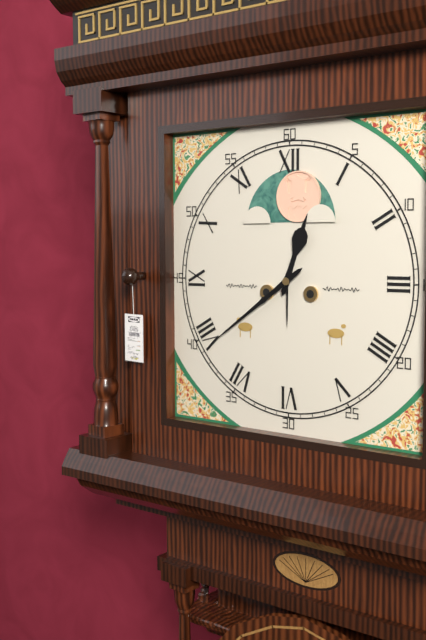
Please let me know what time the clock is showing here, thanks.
12:39
